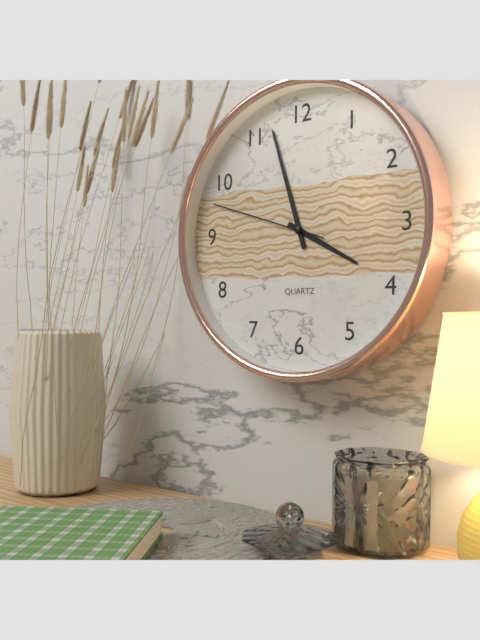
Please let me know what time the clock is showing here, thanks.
3:57:48
